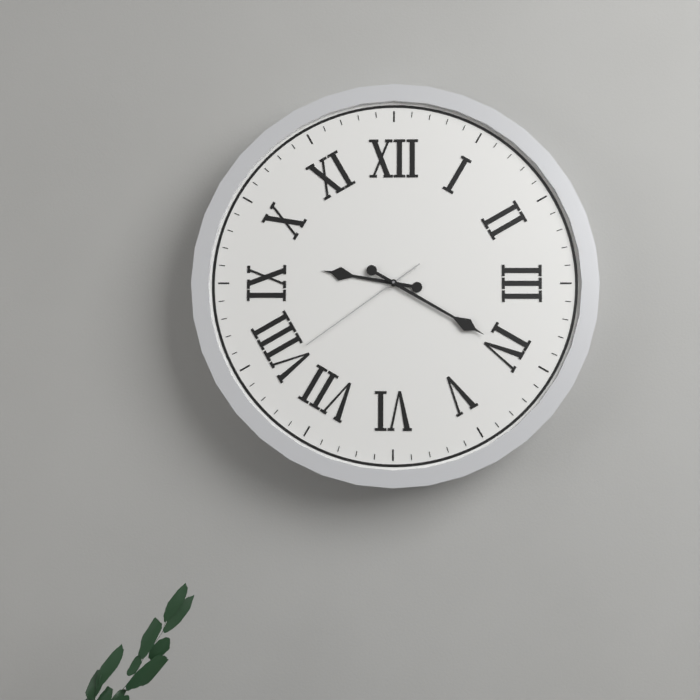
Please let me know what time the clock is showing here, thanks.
9:20:39
